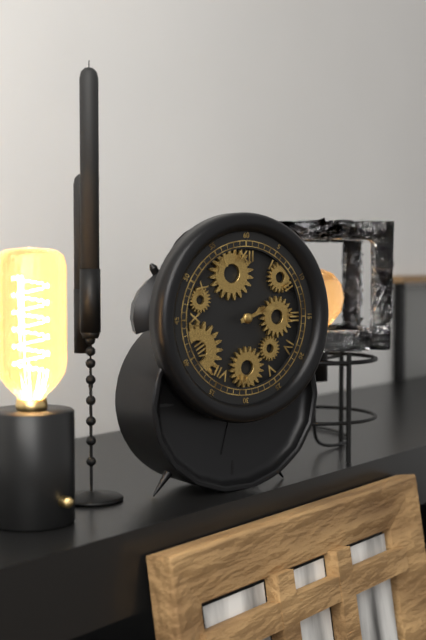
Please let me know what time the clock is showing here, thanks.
2:12
